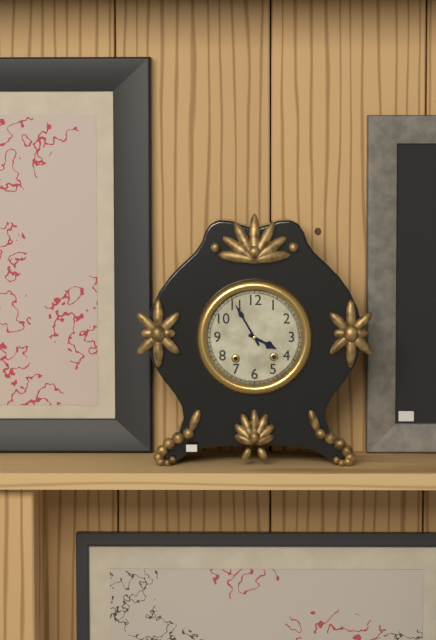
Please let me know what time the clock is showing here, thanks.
3:55
